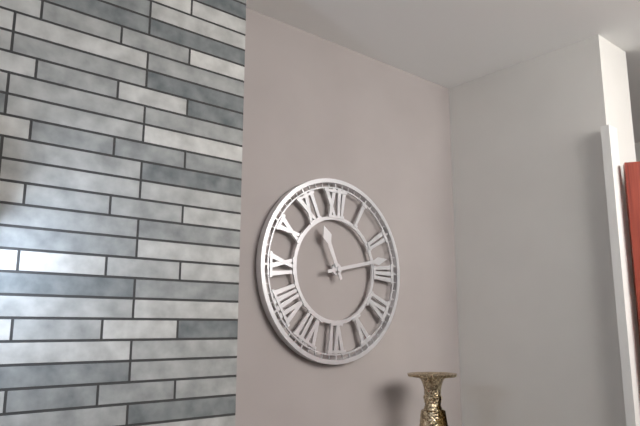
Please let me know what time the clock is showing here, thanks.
11:13
